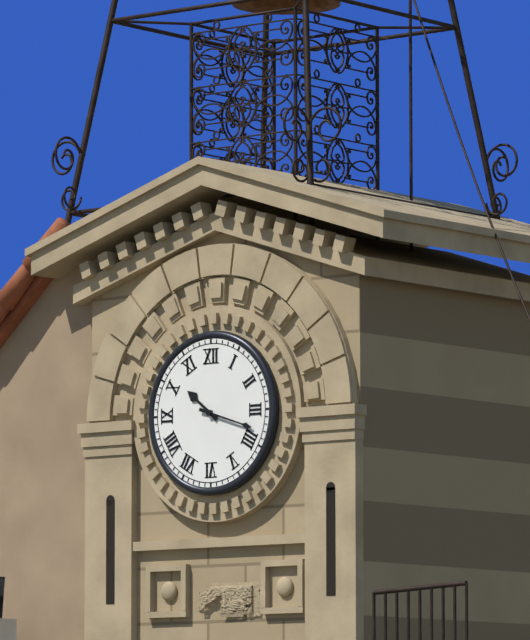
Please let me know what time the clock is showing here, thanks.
10:18
